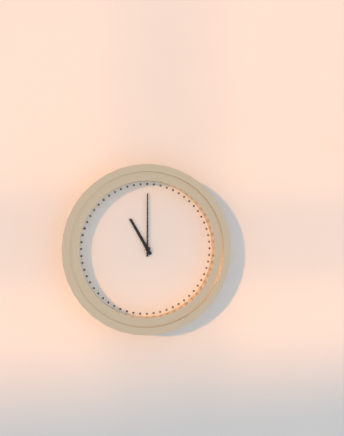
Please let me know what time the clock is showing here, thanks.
11:00
